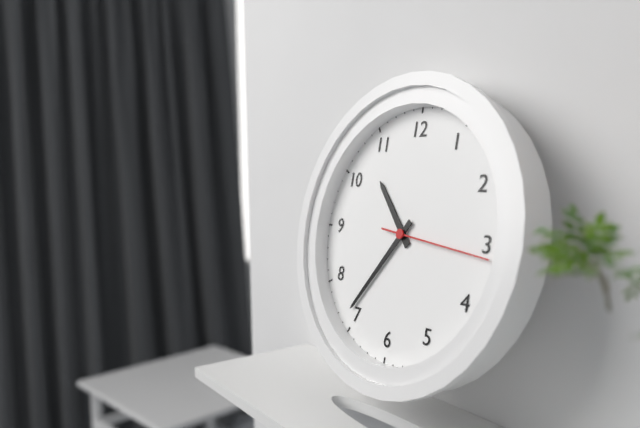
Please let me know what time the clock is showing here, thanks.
10:36:16
